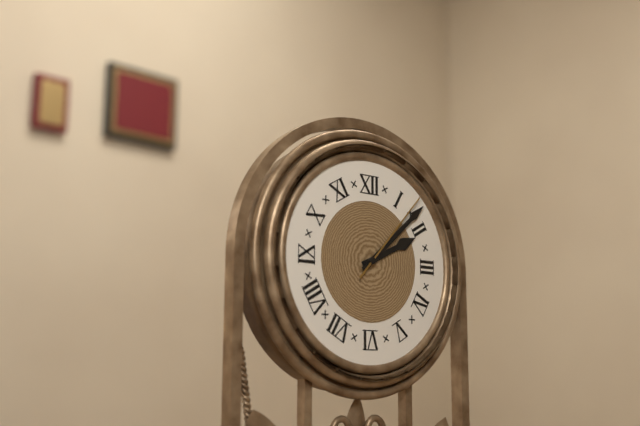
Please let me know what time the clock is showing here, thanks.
2:08:07
